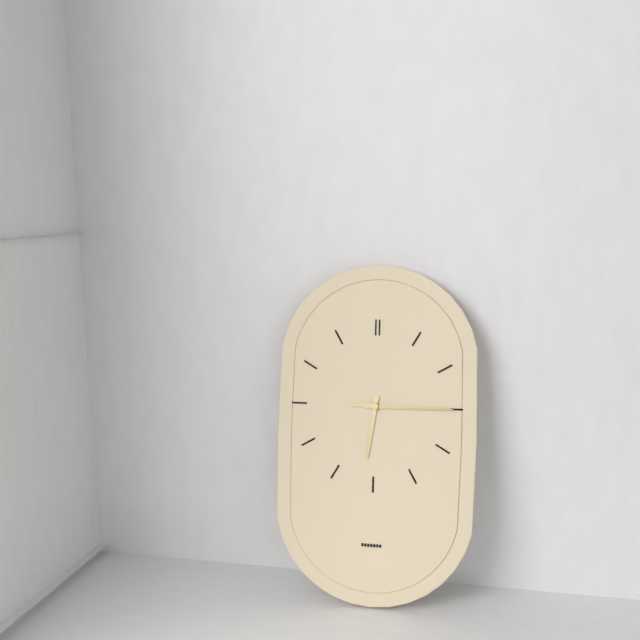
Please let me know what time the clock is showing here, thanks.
6:15:15
